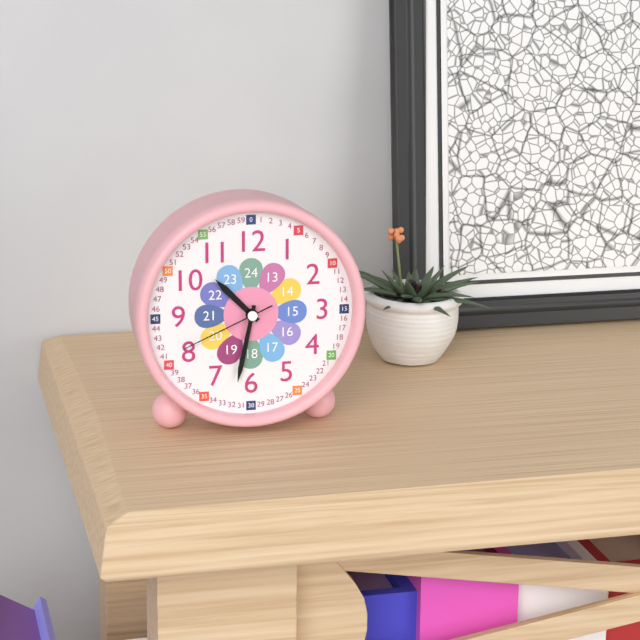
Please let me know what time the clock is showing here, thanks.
10:32:41
